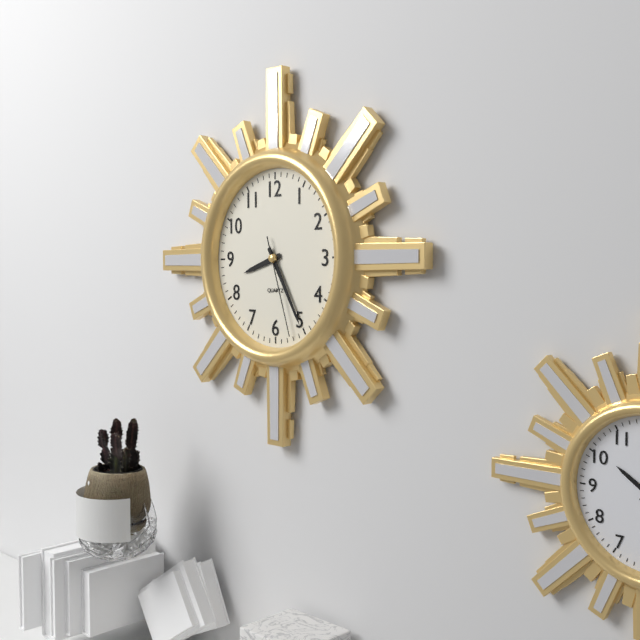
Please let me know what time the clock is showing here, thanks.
8:25:27
